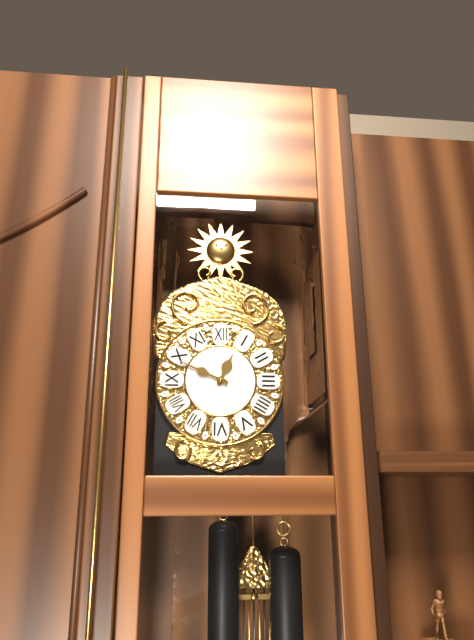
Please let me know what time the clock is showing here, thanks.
12:49
